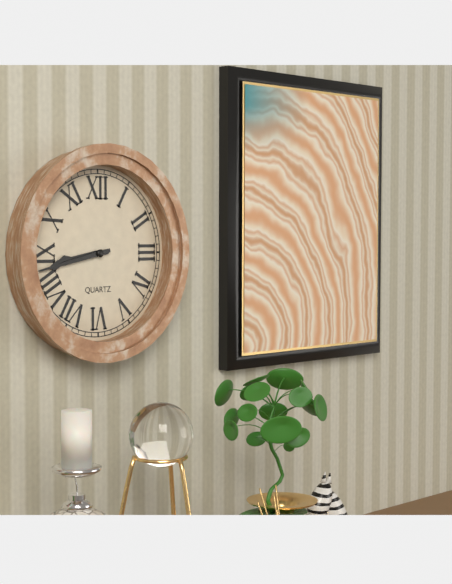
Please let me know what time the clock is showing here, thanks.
8:43
